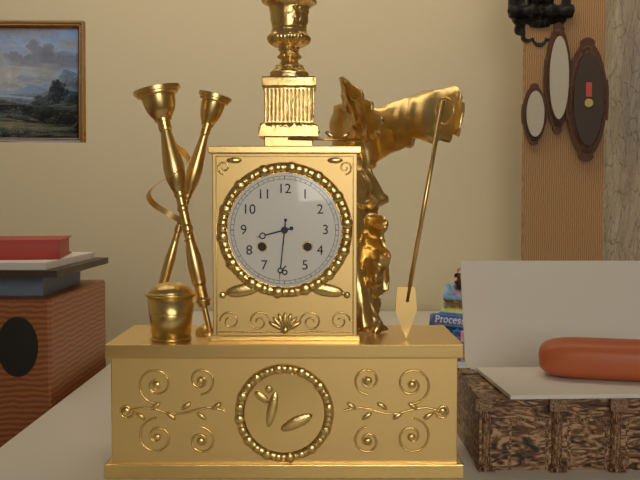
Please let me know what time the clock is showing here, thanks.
8:31
